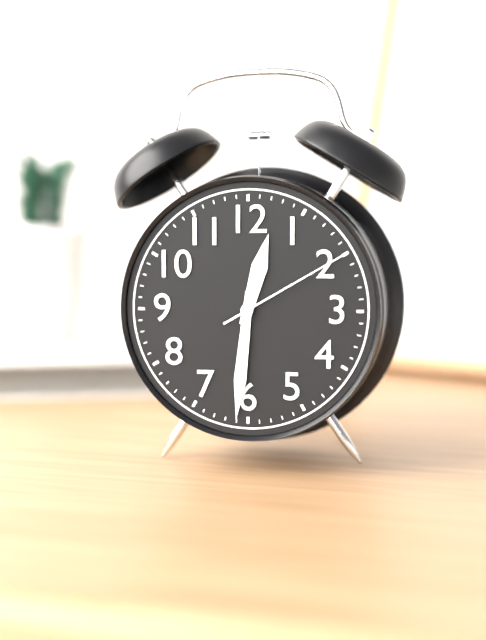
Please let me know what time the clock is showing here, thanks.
12:31:10
